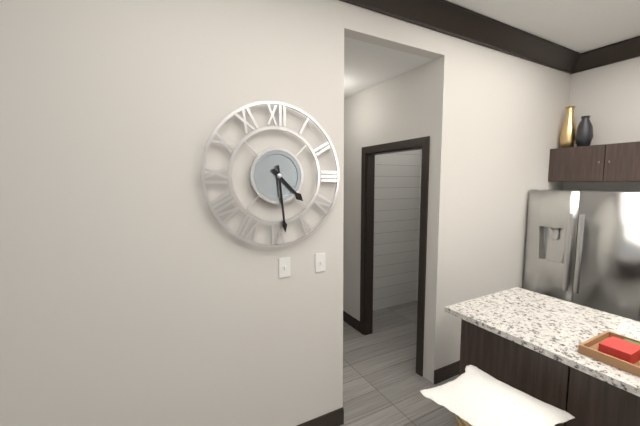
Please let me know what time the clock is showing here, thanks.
4:29
